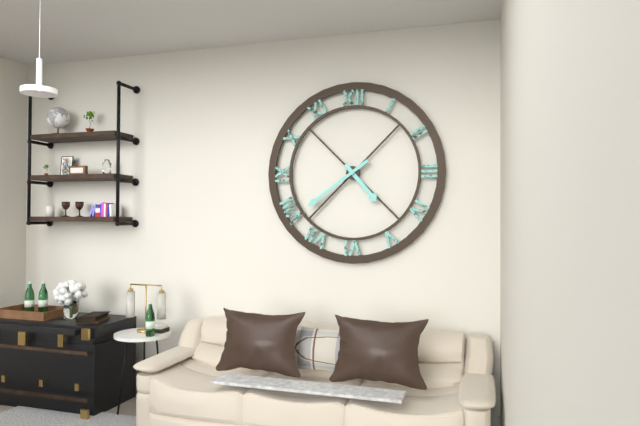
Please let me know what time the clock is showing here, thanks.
4:39
